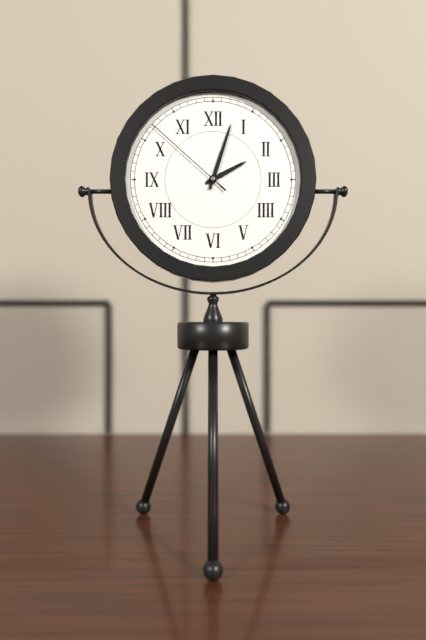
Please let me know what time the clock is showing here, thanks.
2:03:52
